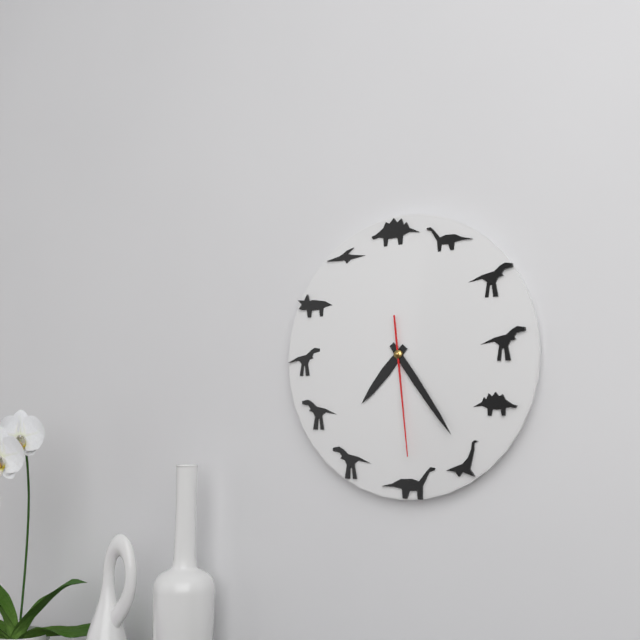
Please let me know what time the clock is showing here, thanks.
7:24:29
